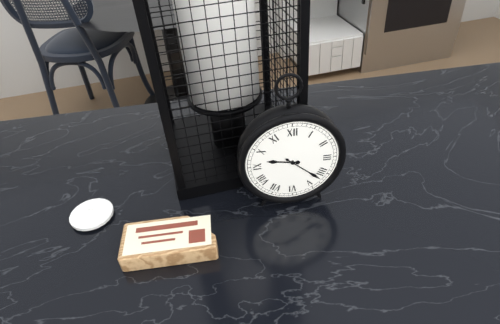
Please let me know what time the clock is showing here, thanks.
9:22
